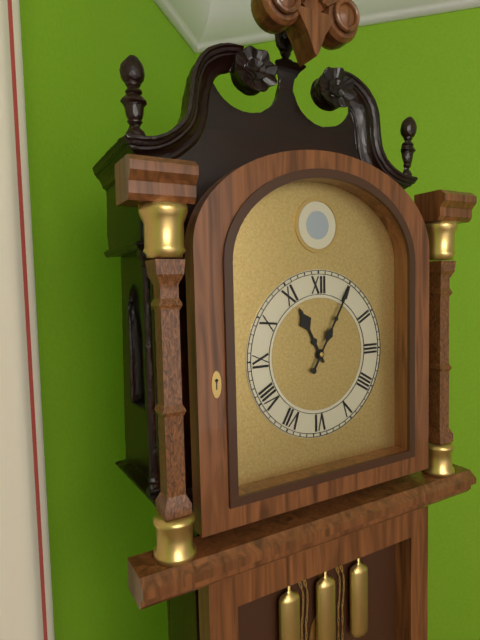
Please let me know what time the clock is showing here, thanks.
11:05
